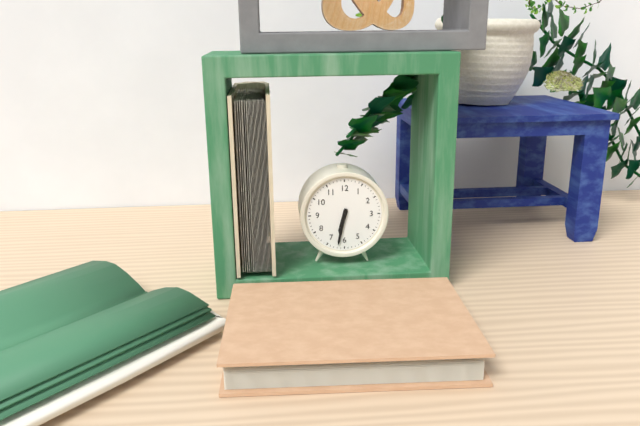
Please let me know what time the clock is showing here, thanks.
6:32
